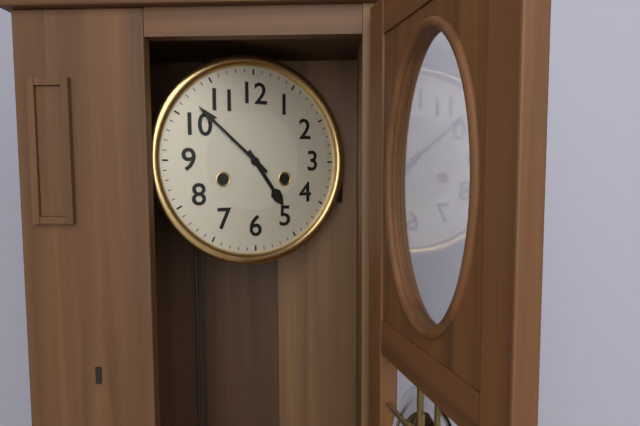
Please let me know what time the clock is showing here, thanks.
4:52
